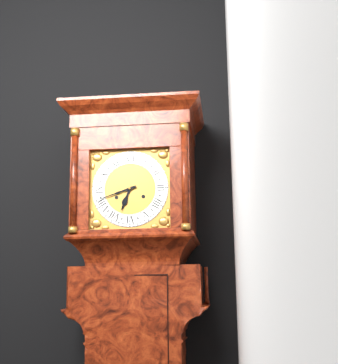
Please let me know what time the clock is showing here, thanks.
6:42
